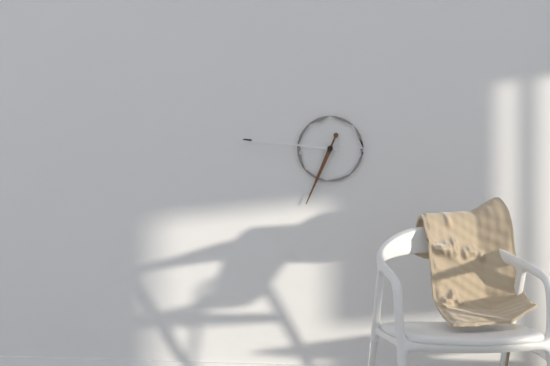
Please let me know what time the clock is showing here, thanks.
6:46
